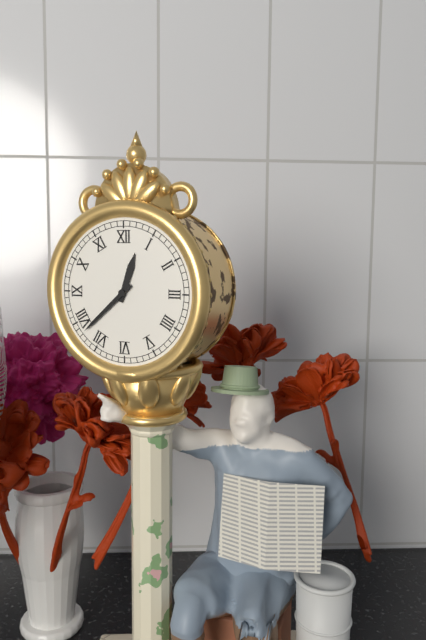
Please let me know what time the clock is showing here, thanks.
12:38
